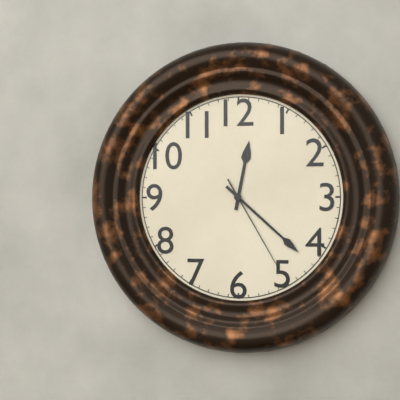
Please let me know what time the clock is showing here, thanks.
12:22:25
